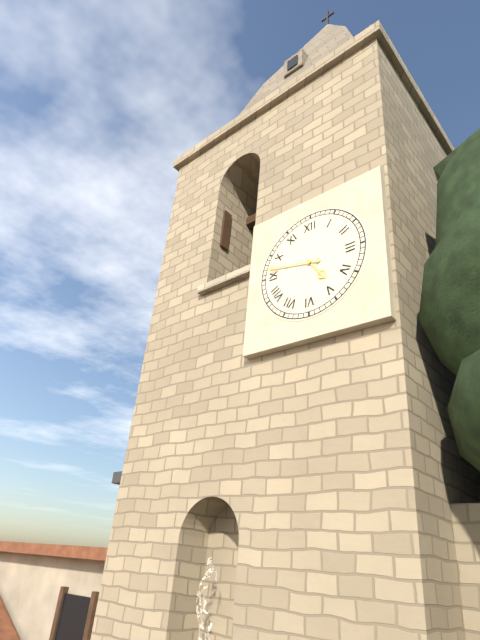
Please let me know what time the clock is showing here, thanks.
4:47
